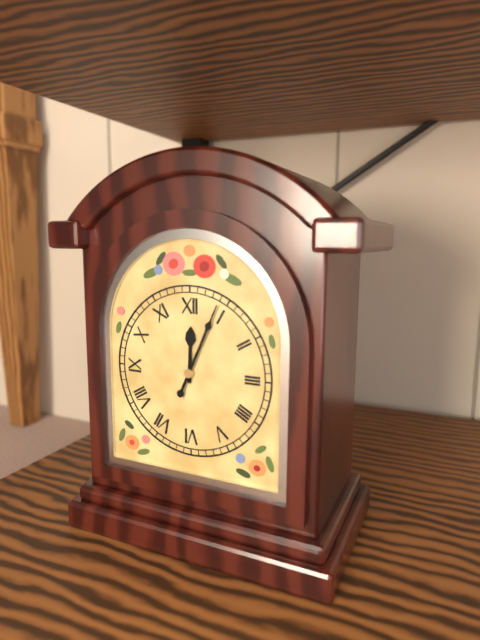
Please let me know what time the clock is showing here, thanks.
12:04
